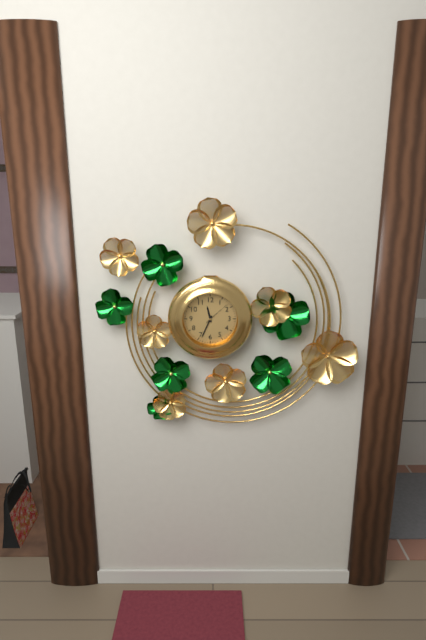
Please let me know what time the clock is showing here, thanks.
11:34
